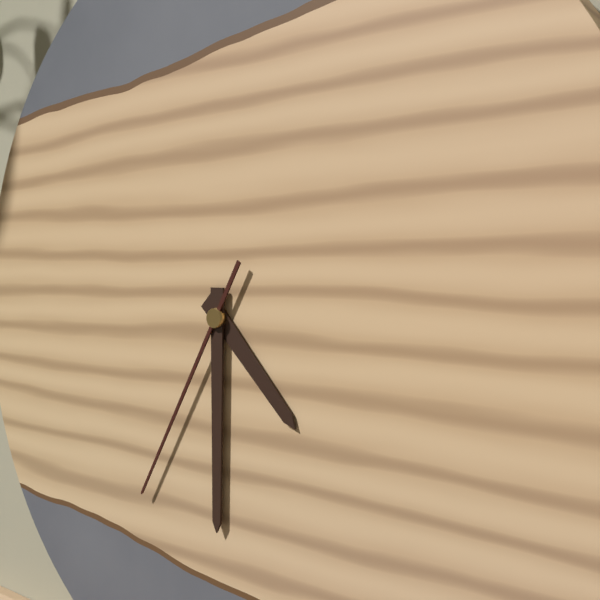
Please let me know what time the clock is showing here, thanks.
4:30:35
